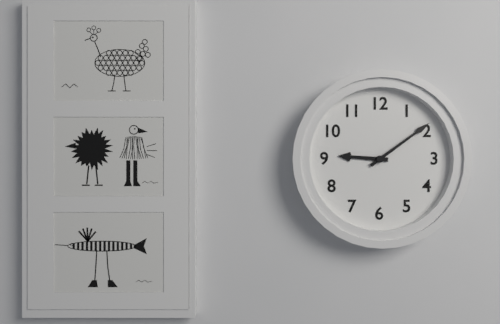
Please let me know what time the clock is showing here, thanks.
9:09
